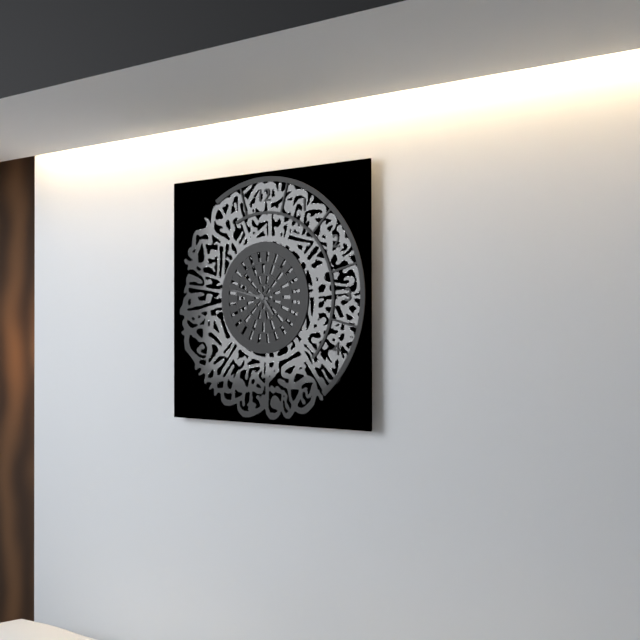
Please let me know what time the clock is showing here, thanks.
4:47
